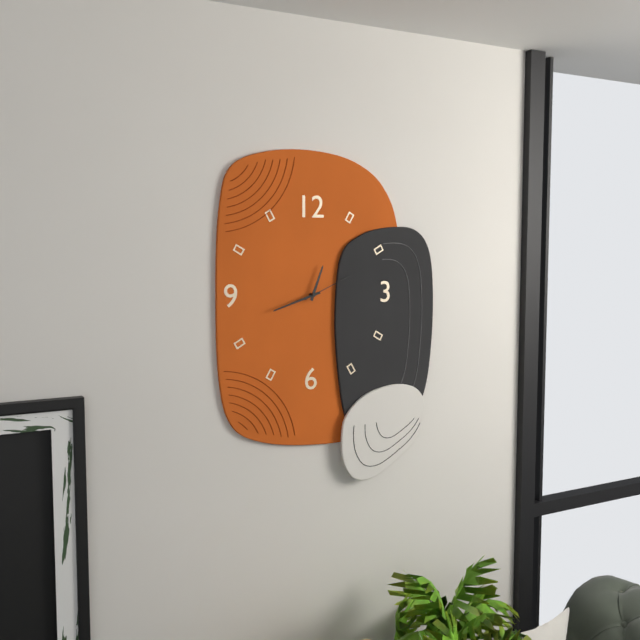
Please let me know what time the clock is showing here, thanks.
12:42:11
